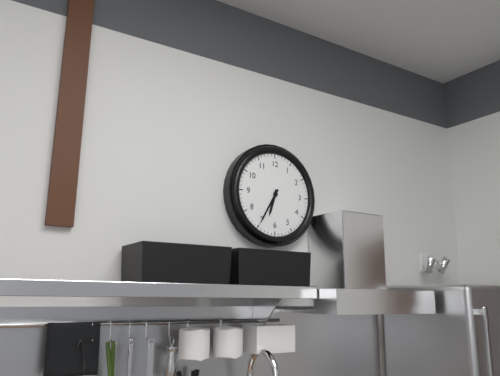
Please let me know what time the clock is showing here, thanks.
6:35
